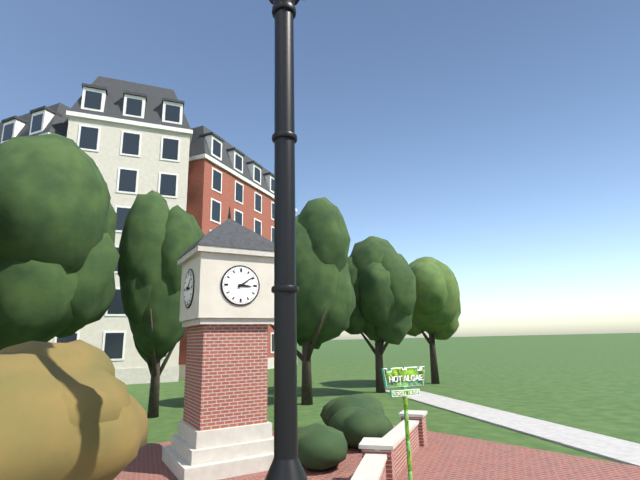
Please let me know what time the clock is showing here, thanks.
3:09
